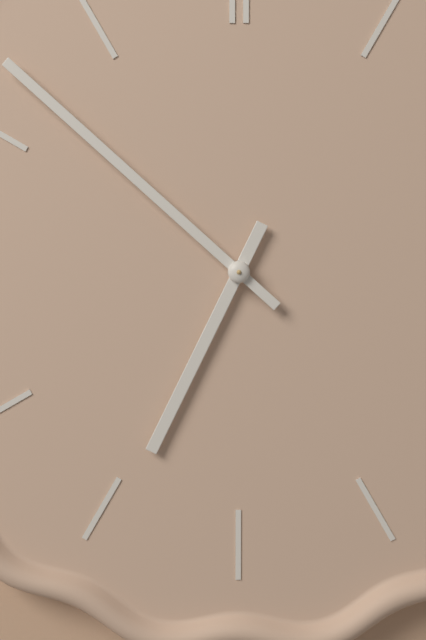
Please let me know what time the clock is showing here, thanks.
6:52
